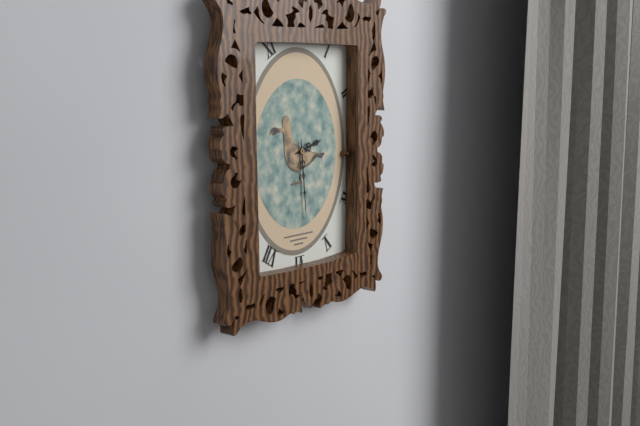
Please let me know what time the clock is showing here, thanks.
2:29
